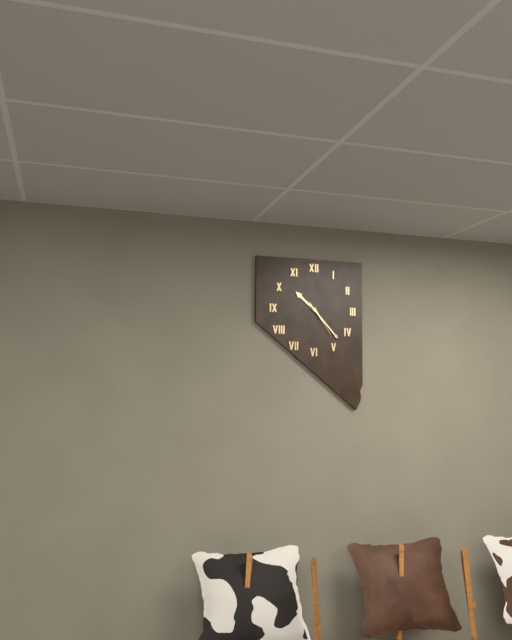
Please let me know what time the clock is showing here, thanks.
10:23
